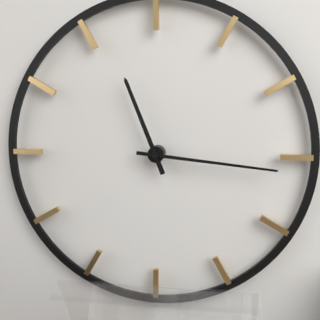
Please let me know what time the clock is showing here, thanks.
11:16
